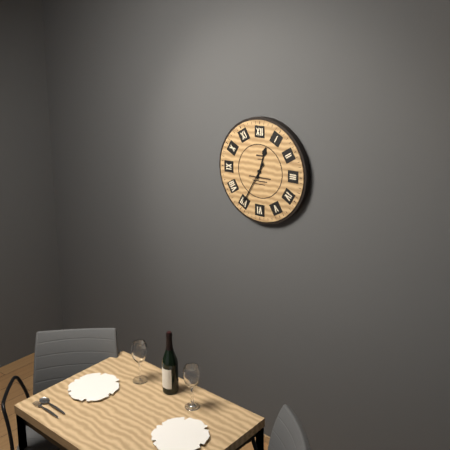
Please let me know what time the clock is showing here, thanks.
12:35
